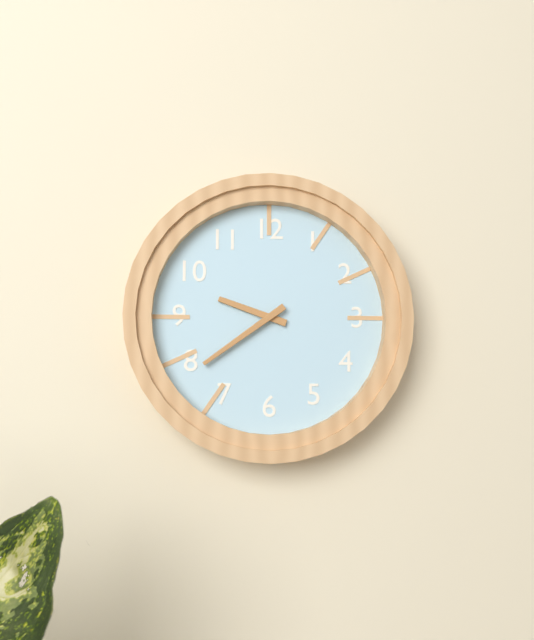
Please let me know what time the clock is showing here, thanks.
9:39
